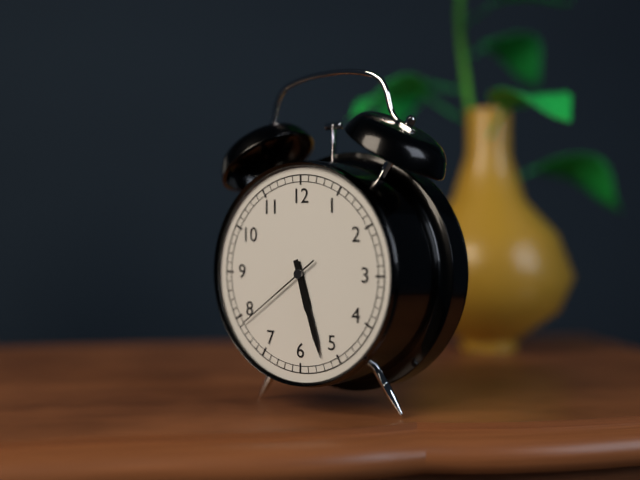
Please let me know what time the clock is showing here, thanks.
5:27:39
